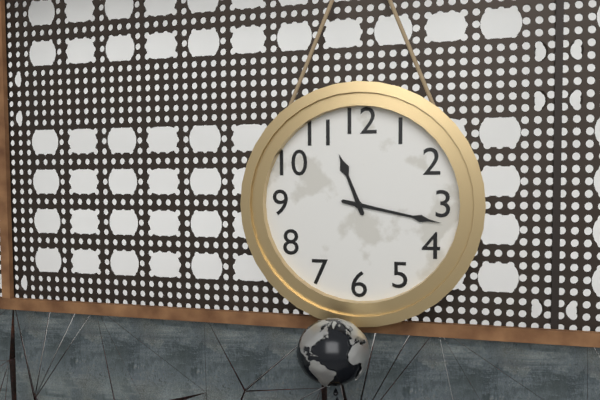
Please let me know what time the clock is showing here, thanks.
11:17
